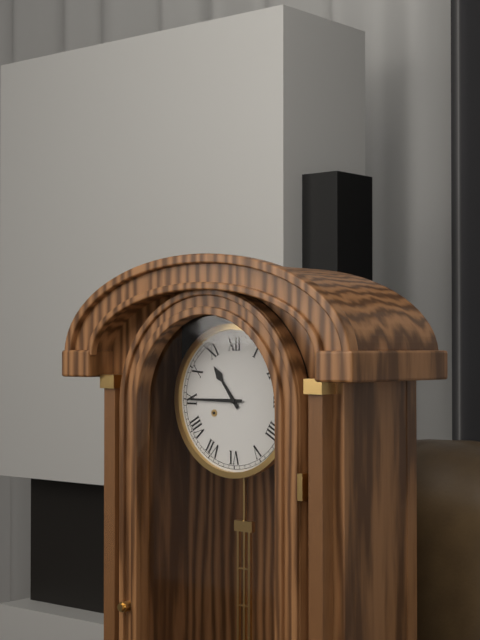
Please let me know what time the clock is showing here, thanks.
10:45
